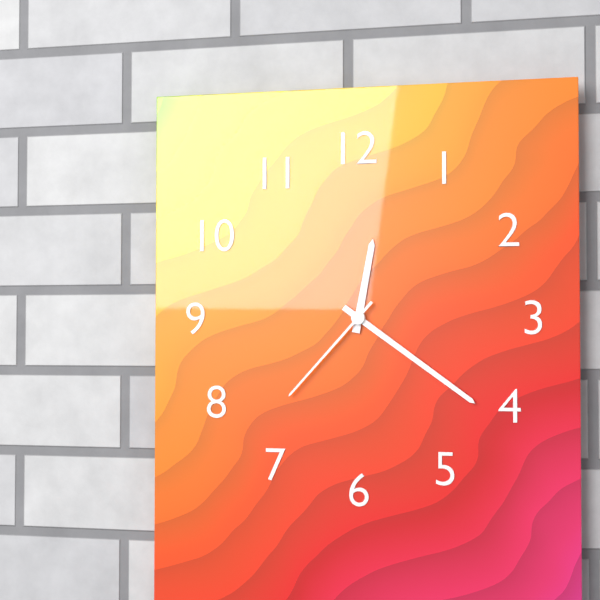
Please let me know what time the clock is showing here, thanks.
12:21:37
